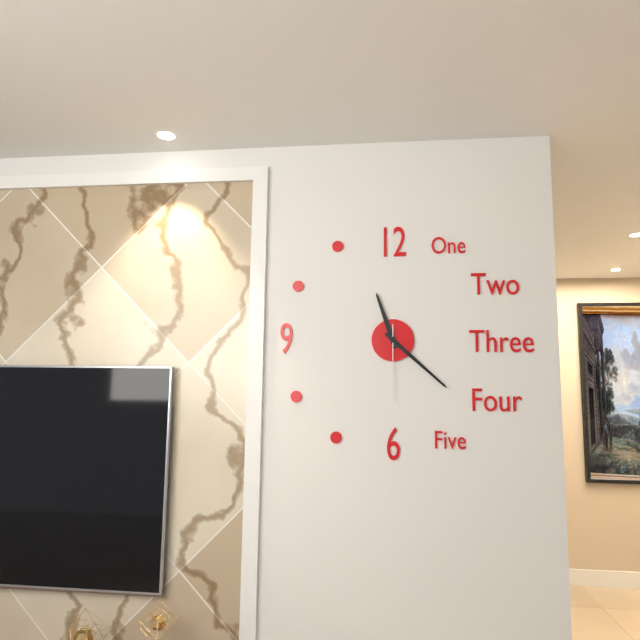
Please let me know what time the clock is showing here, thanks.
11:22:30
